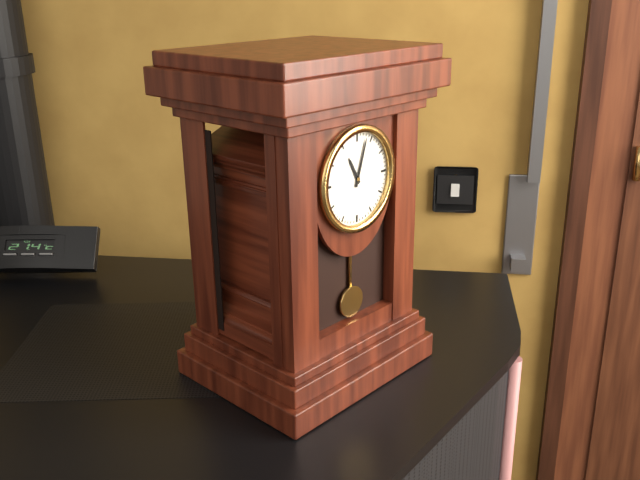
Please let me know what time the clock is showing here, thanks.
11:03
